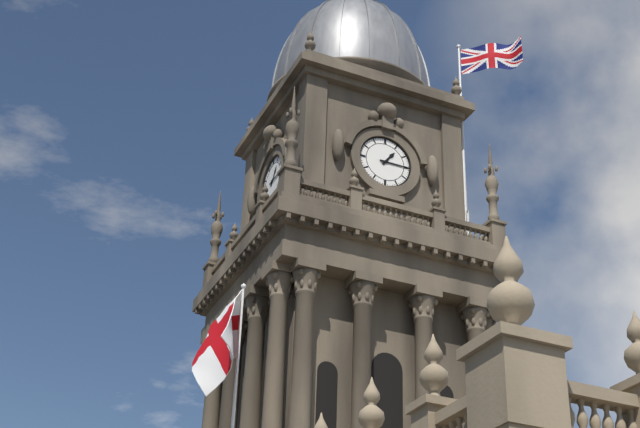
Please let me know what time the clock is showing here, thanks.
1:15
